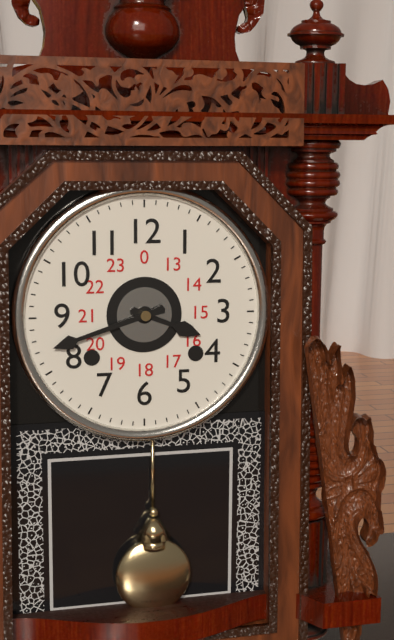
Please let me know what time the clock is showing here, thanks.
3:42
